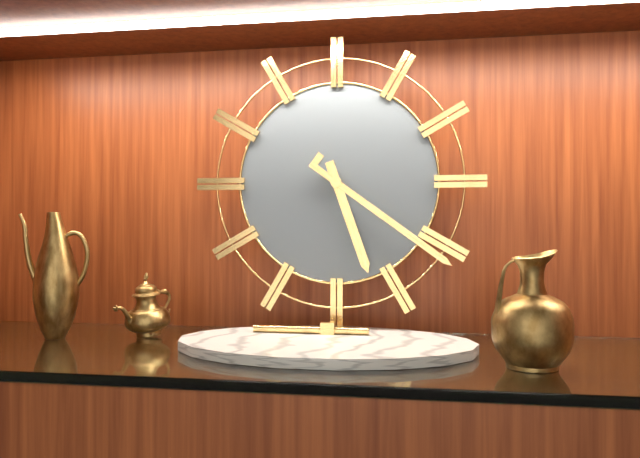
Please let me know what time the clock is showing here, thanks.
5:21
